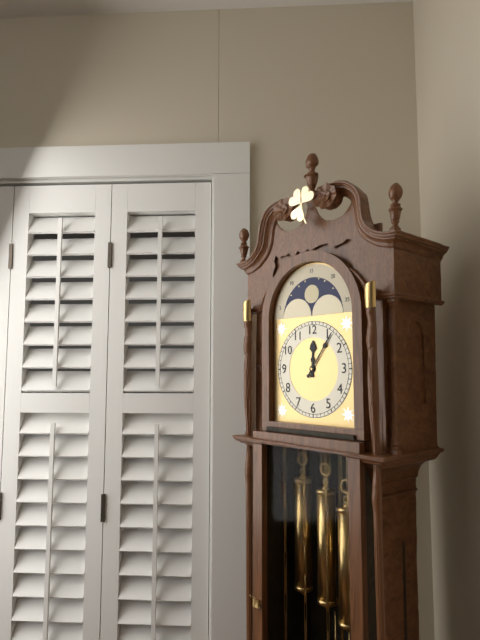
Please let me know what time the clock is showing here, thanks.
12:06
